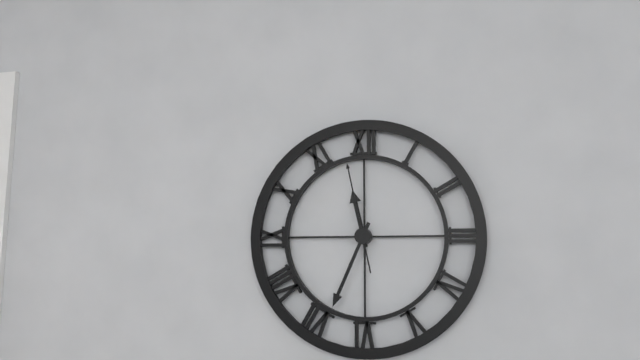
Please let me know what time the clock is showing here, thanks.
11:34:58
